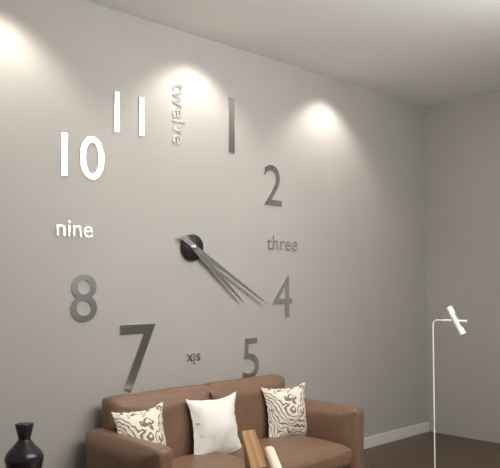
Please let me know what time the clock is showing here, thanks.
4:20
